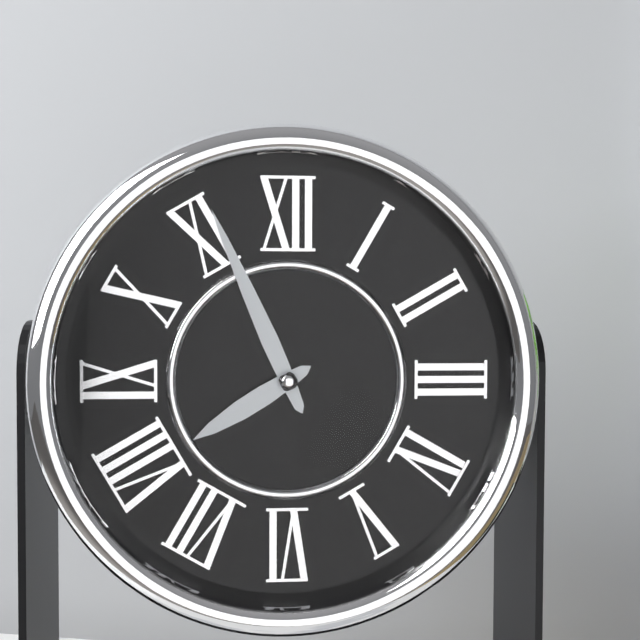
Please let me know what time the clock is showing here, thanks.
7:56
